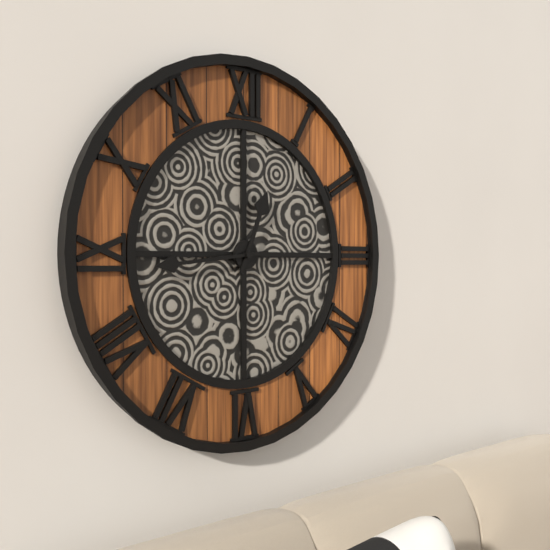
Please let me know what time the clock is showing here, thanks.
12:44
